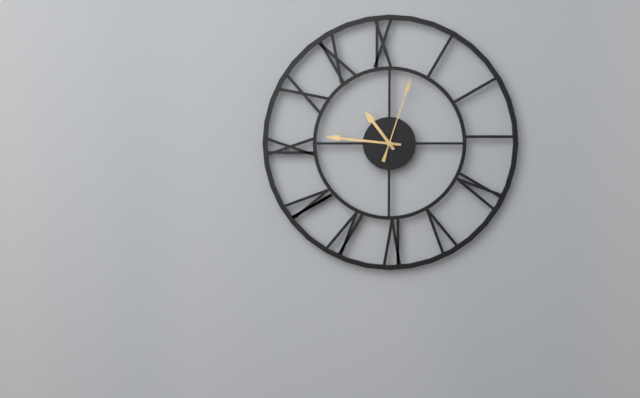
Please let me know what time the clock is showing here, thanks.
10:46:03
